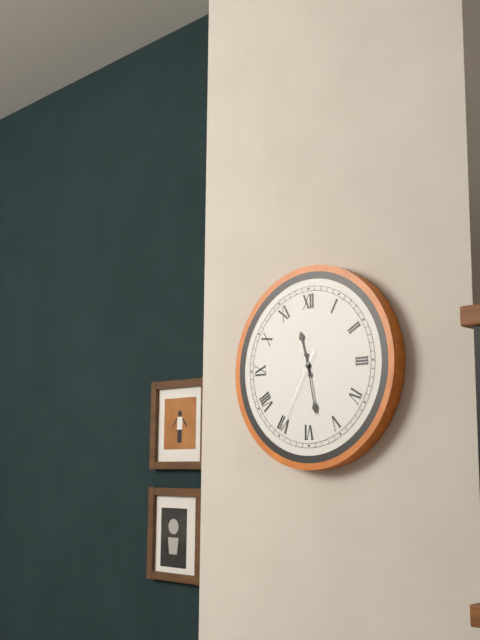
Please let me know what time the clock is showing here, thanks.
11:28:35
